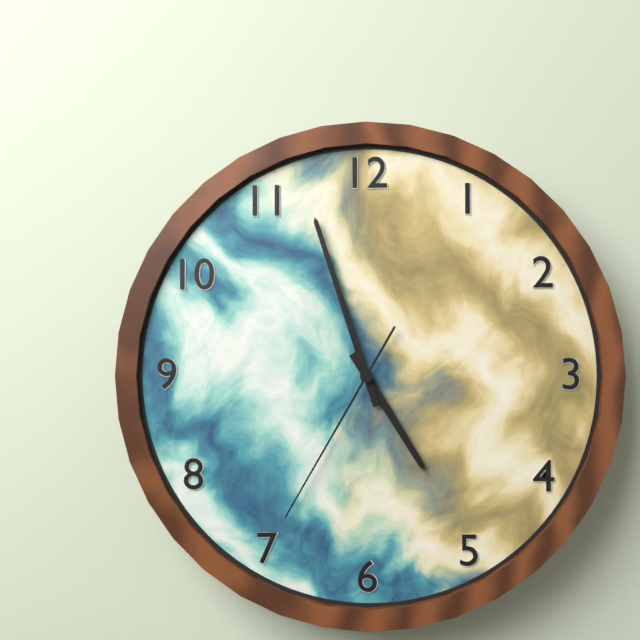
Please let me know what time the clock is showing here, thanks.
4:57:35
